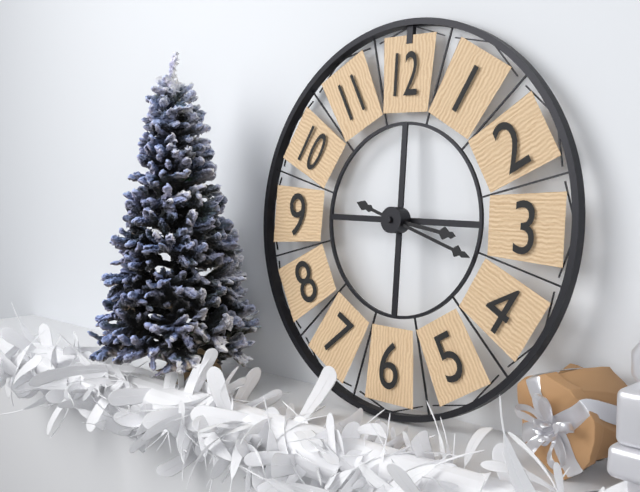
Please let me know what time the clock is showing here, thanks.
3:18
